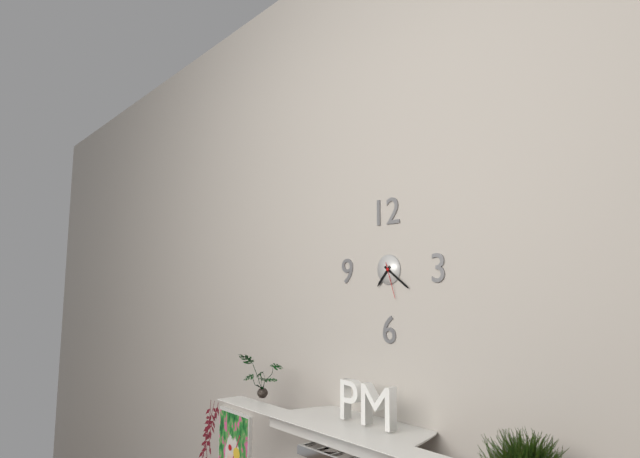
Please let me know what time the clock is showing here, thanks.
7:21
